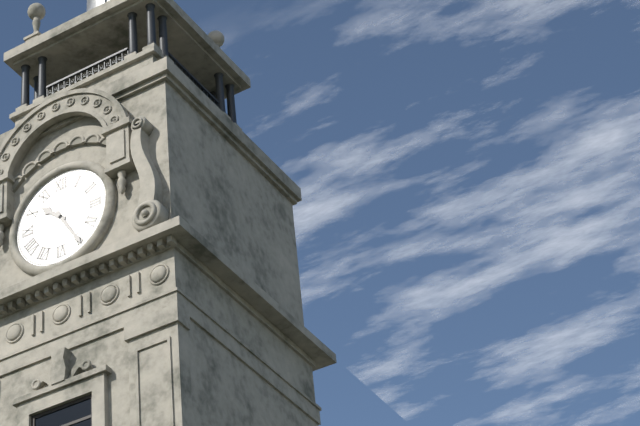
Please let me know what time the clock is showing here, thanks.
10:25
